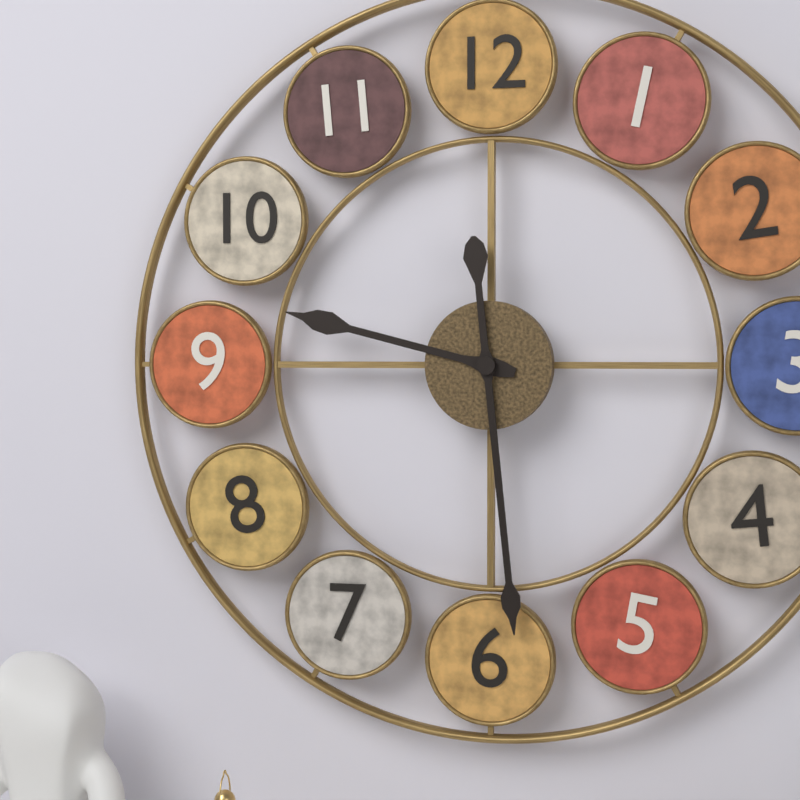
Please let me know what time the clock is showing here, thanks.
9:29
